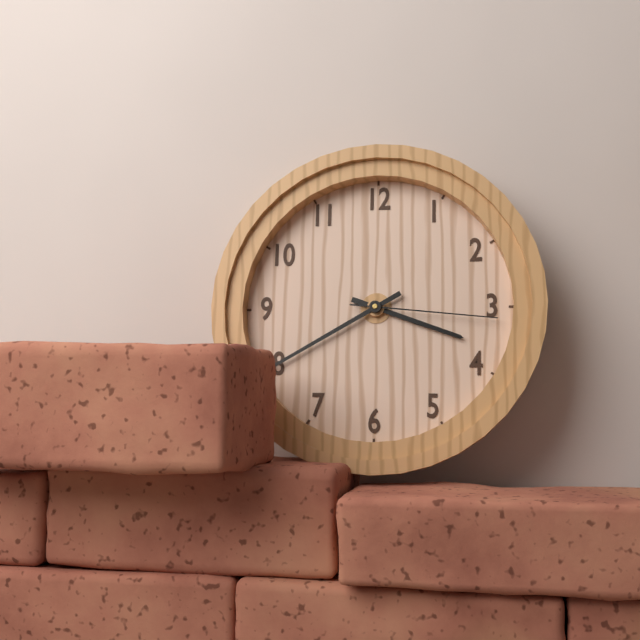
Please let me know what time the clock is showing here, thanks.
3:40:16
